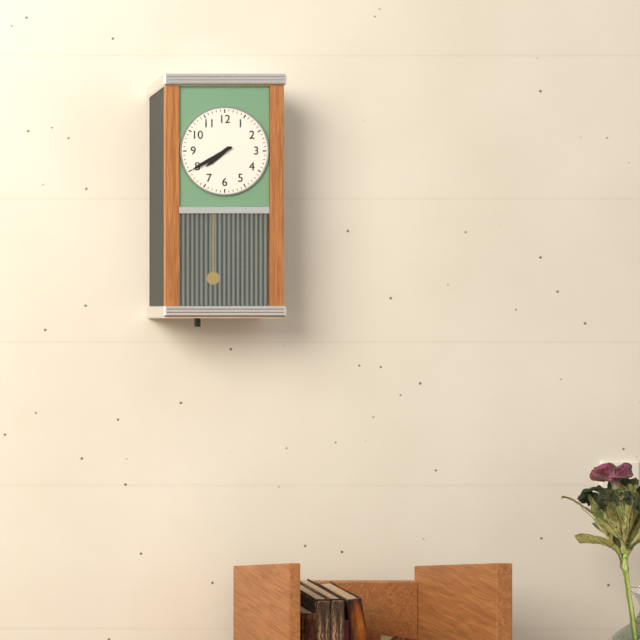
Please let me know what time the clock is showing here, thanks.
7:40
